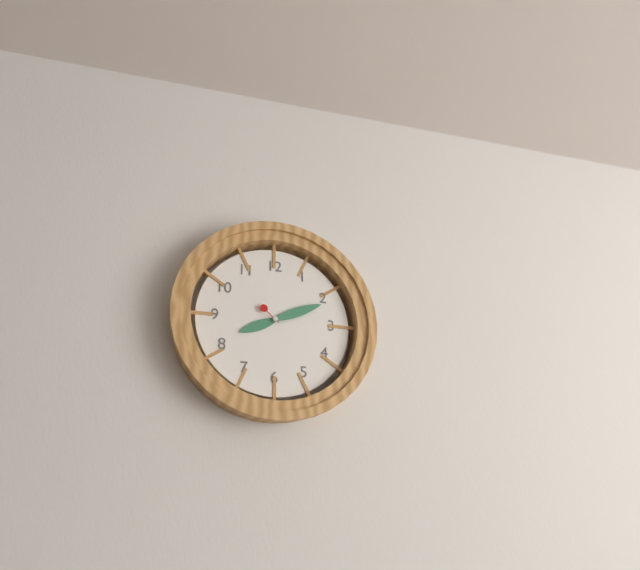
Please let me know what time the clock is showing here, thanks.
8:11
